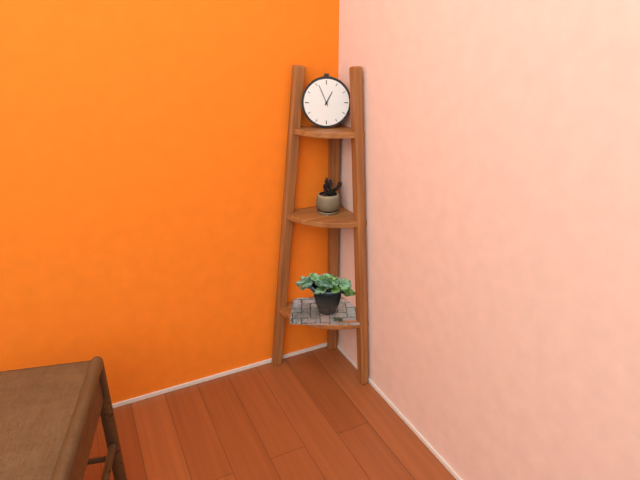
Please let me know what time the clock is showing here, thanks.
12:56
